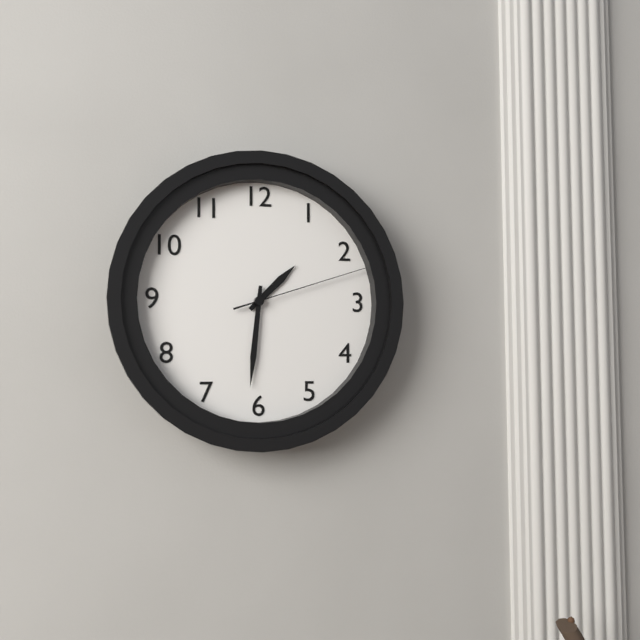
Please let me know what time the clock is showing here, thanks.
1:31:12
